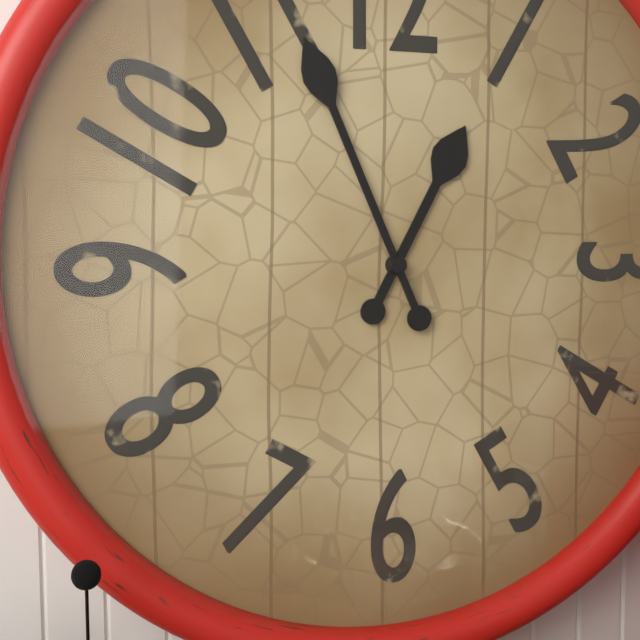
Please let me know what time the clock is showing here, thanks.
12:56
